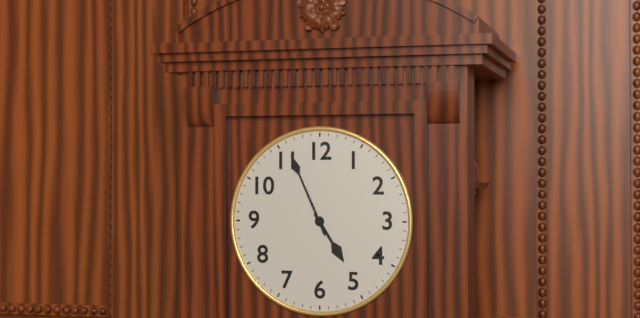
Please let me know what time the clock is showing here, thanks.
4:56
